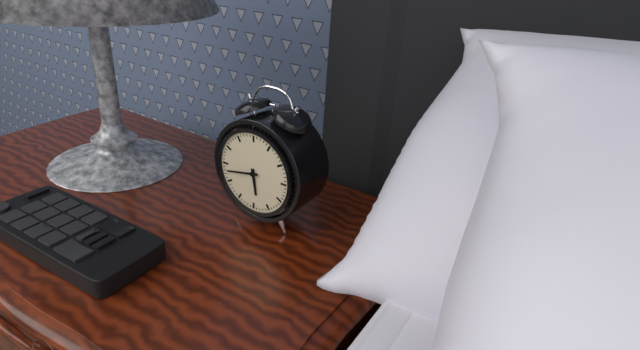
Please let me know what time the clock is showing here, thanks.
5:43
